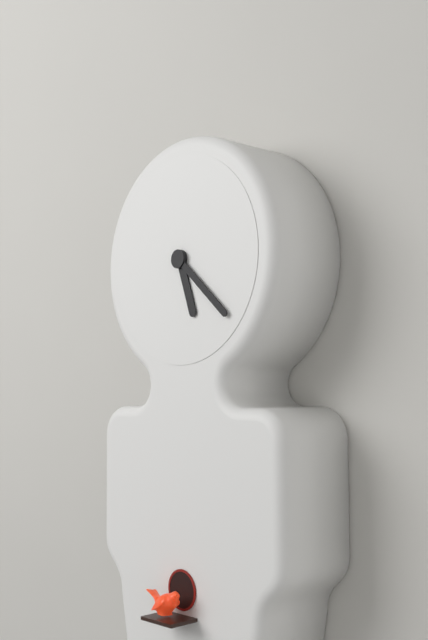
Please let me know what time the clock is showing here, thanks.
5:22
